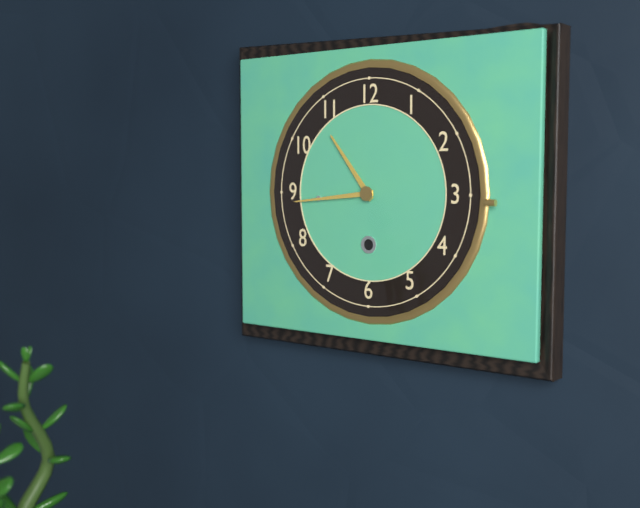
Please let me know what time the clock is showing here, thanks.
10:44
